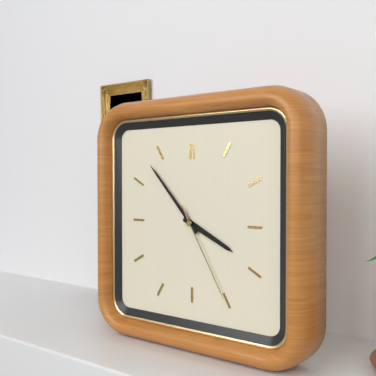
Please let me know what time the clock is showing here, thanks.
3:53:25
